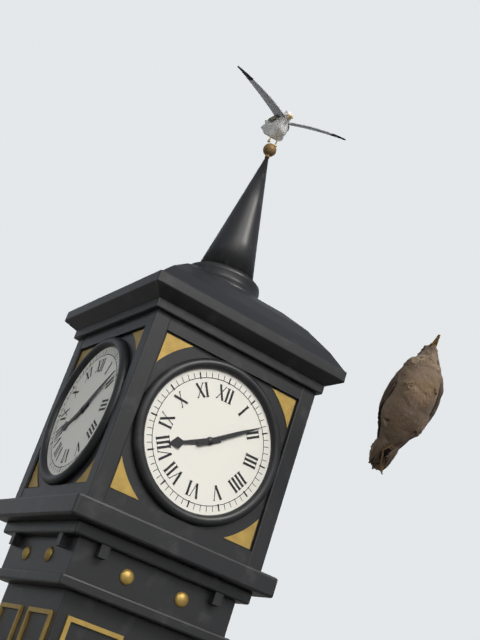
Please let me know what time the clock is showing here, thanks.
8:09
